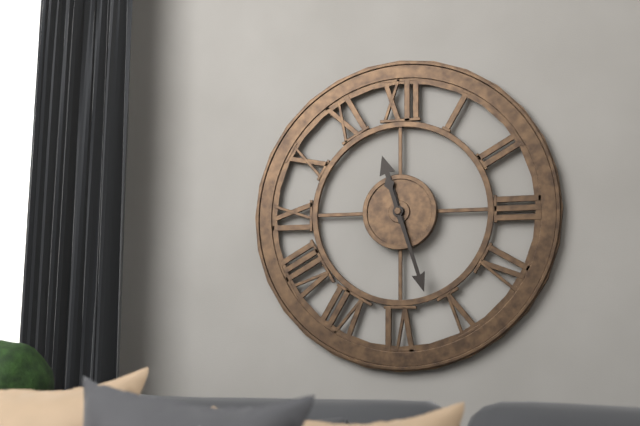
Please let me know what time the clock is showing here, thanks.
11:27
